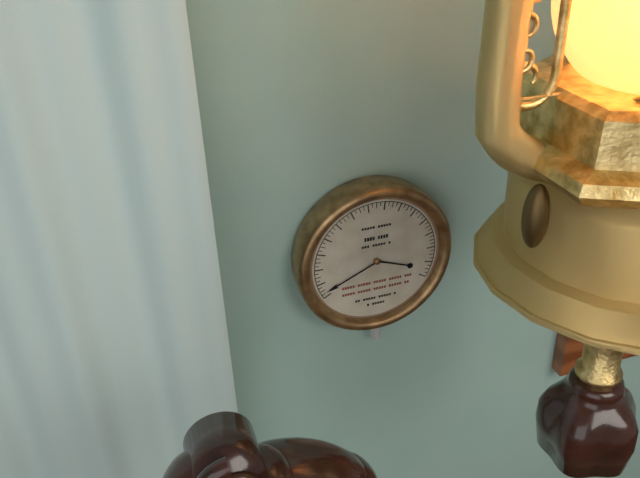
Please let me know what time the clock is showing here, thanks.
3:41
